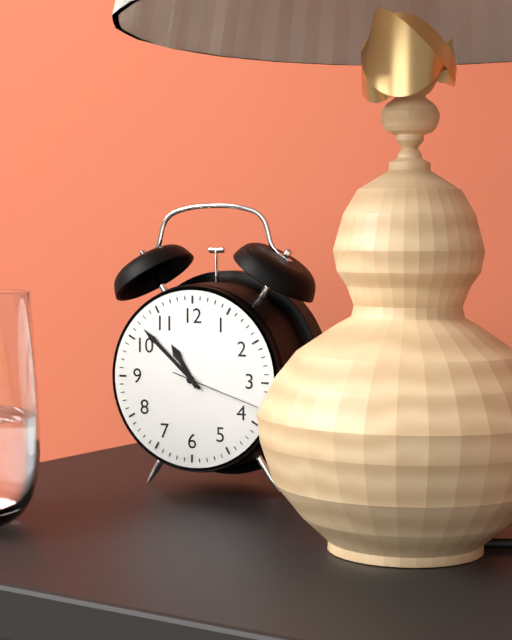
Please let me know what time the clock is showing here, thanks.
10:52:18
